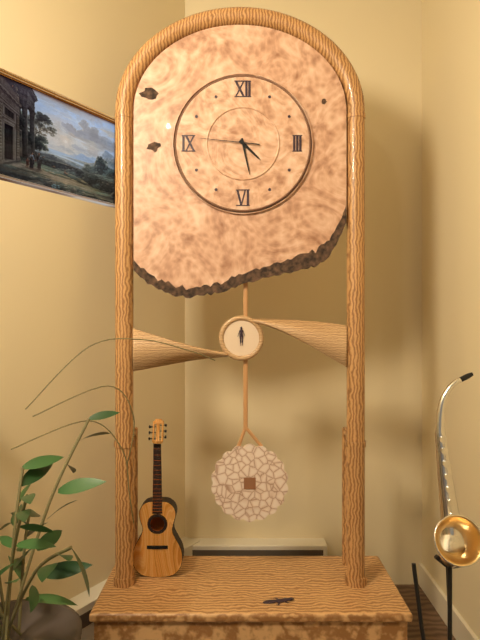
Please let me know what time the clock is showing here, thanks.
4:28:46
